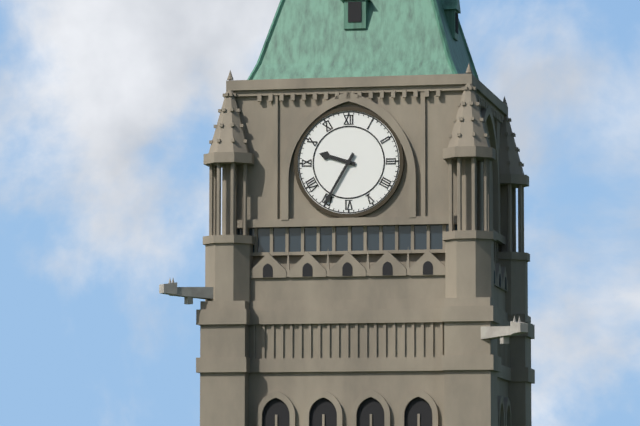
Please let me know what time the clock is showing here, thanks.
9:35
